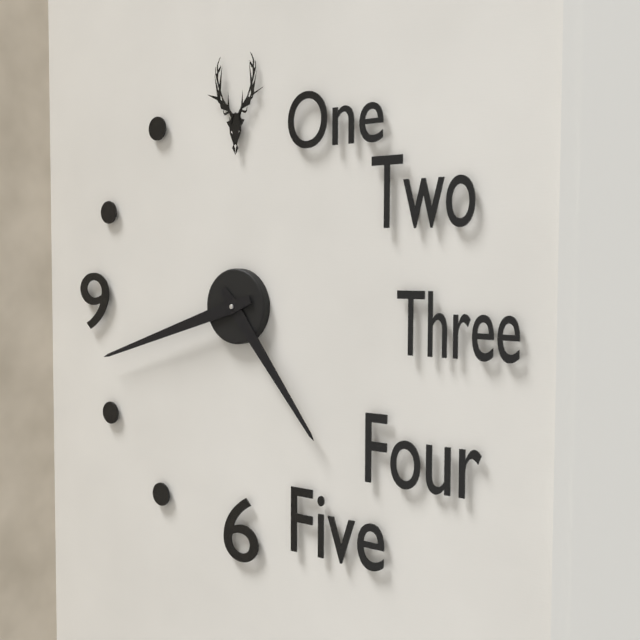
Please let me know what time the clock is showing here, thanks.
4:42
